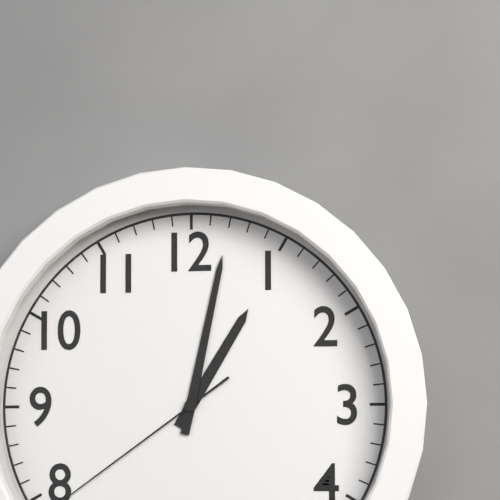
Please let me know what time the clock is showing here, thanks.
1:02
